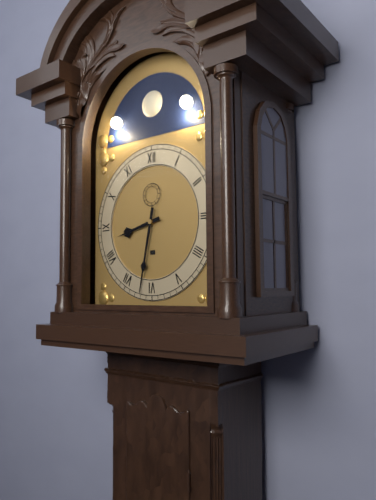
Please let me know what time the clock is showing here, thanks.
8:32
